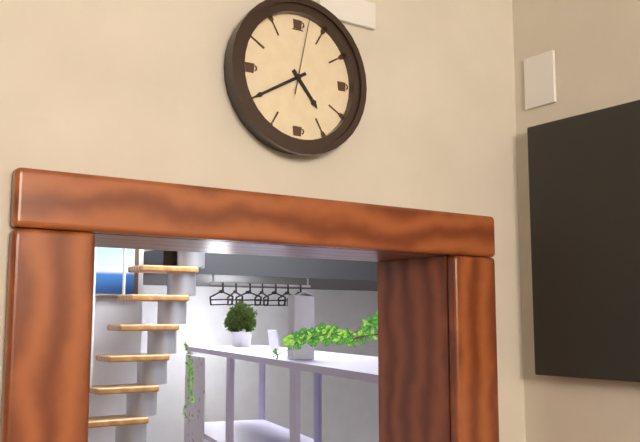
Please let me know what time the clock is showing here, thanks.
4:40:02
